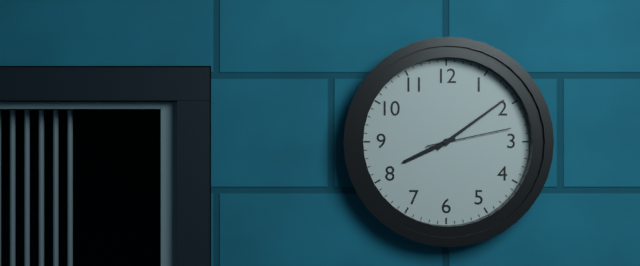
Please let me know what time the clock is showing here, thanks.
8:09:13
